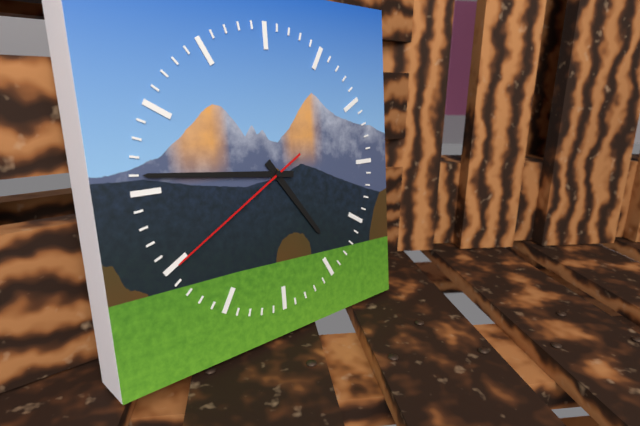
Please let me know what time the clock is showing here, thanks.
4:46:40
